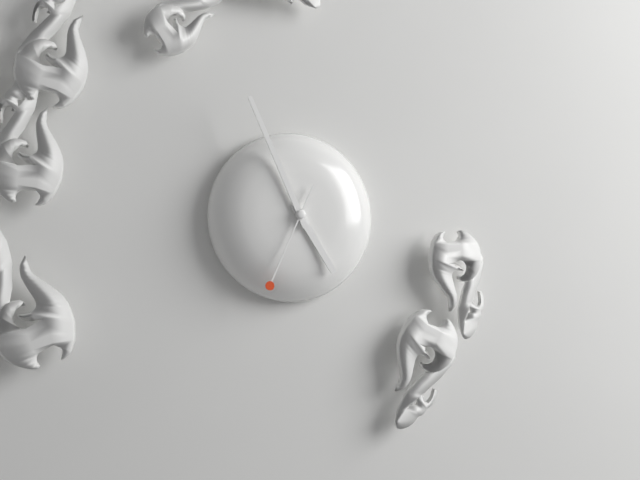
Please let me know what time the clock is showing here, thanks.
4:56:34
